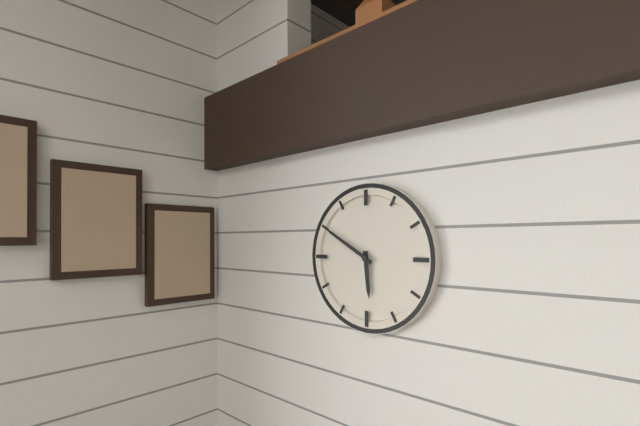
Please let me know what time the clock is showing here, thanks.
5:50
